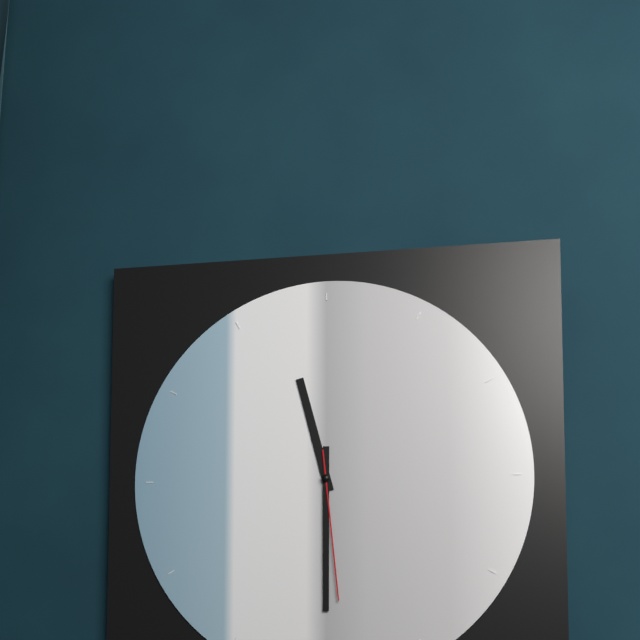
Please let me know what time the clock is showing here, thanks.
11:30:29
